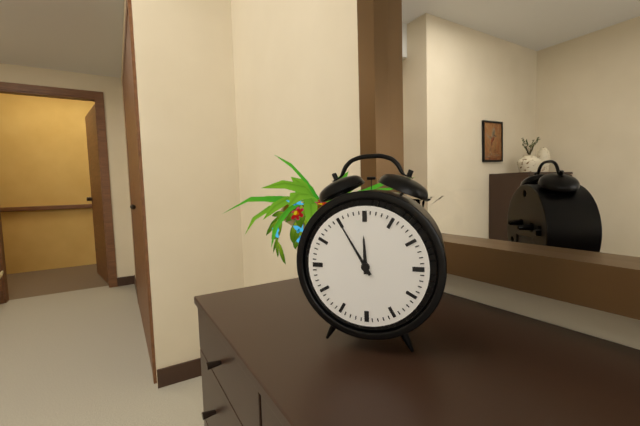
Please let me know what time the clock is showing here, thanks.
11:55
